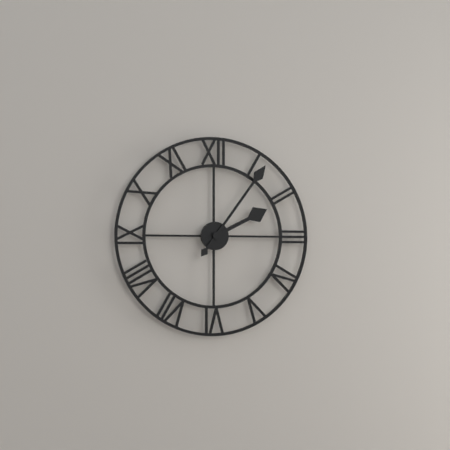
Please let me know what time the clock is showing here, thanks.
2:06
